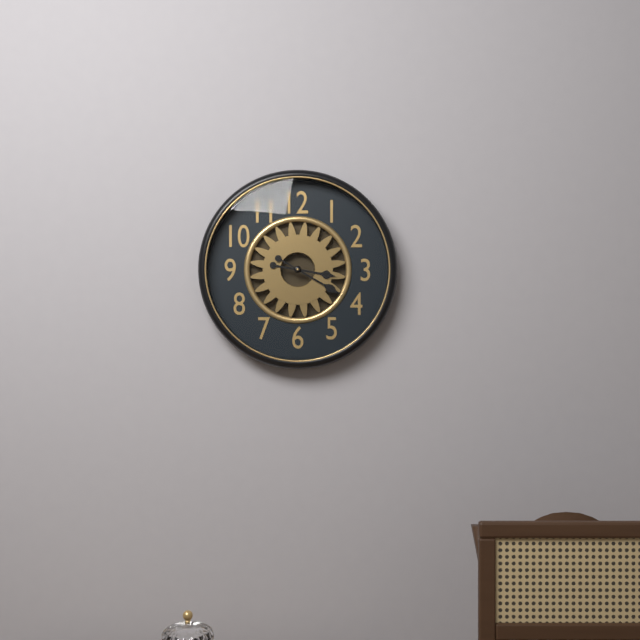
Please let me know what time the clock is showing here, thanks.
3:20
